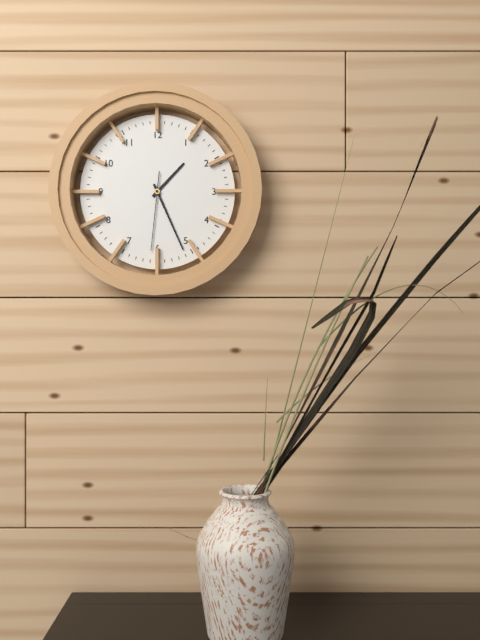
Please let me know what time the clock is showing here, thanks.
1:26:31
